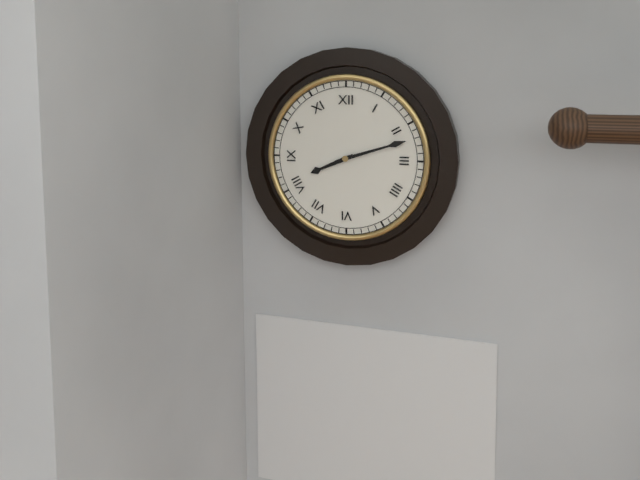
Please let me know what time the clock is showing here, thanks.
8:12
